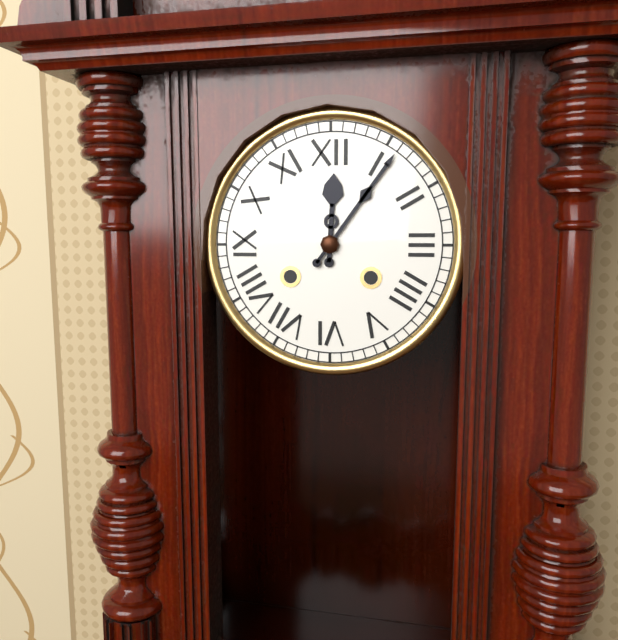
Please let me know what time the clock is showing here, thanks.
12:06
